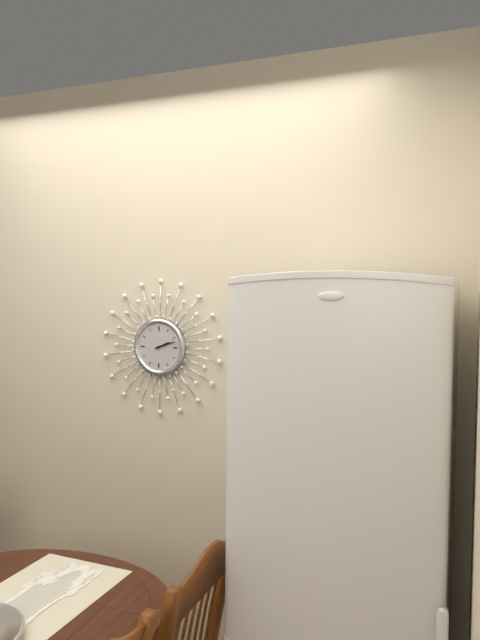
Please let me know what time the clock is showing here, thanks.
2:12
